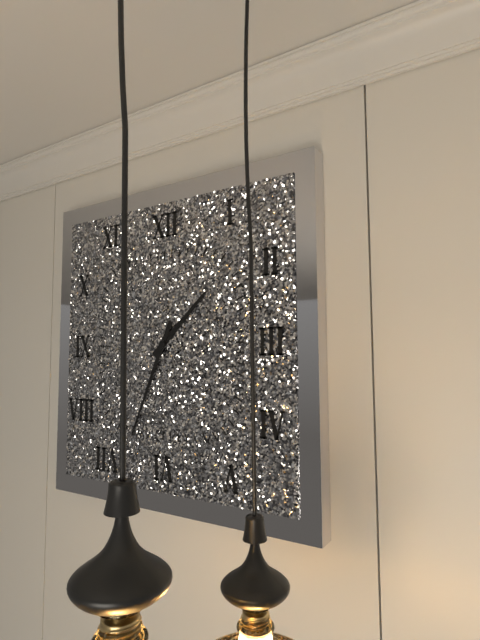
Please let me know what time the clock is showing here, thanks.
1:34
